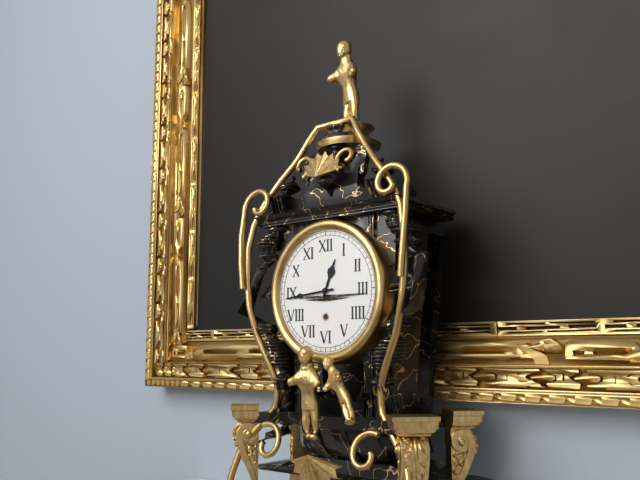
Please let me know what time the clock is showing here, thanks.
12:44
